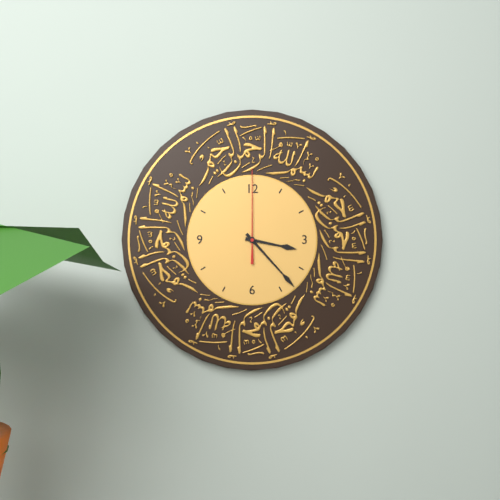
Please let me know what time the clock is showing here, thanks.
3:23:00
